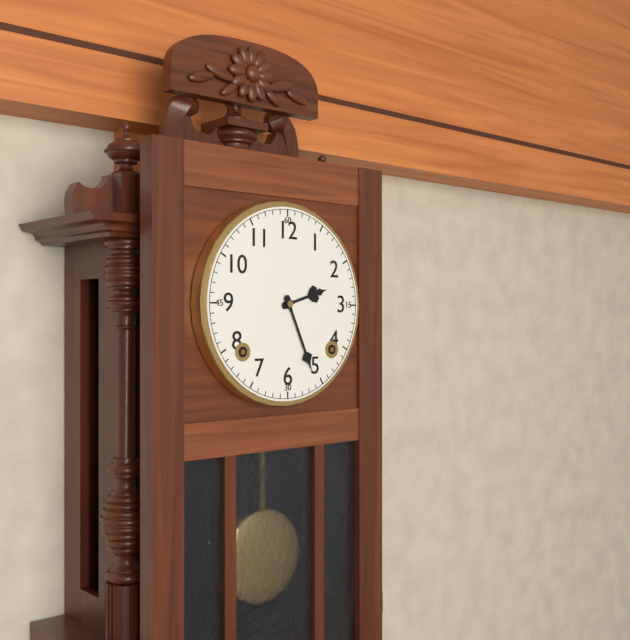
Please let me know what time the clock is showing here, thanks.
2:26
